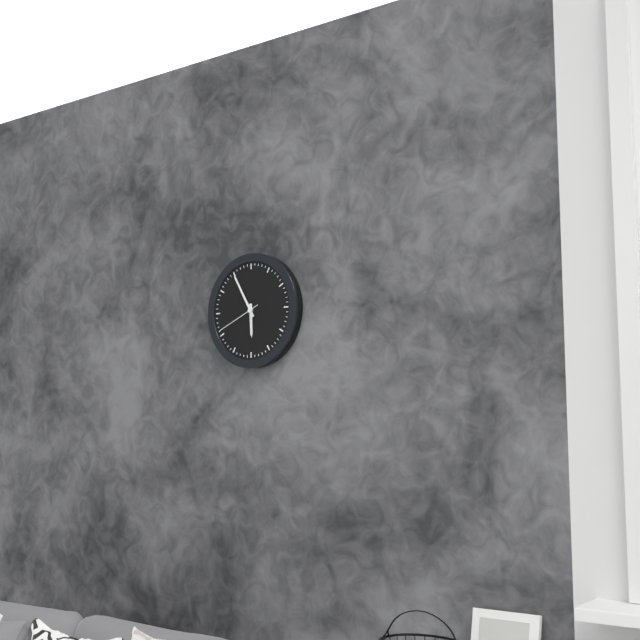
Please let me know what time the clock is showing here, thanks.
5:55:41
